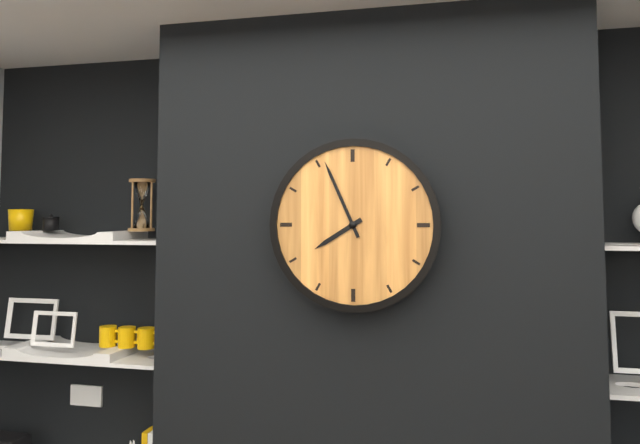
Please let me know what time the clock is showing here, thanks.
7:56
